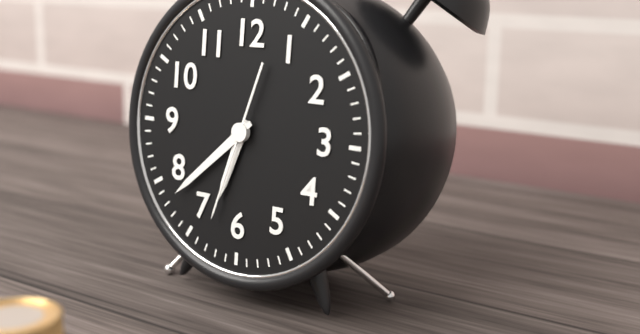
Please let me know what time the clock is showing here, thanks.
6:38:33
